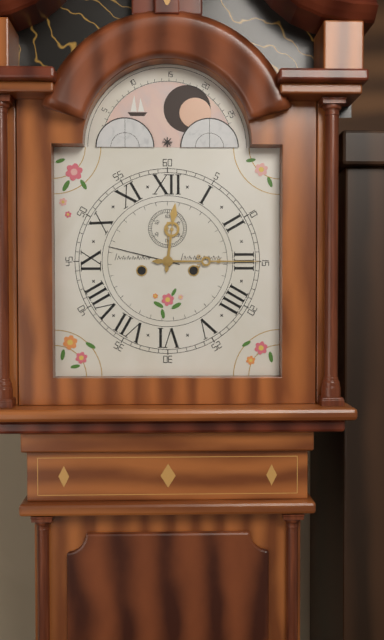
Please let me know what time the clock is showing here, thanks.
12:15
